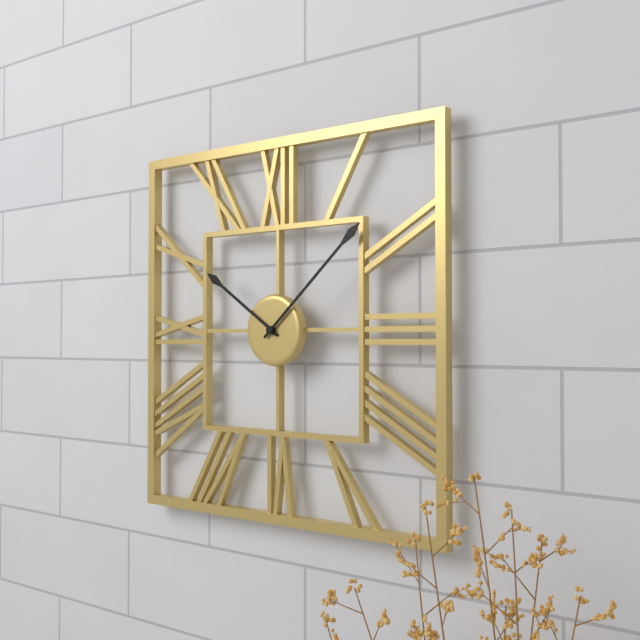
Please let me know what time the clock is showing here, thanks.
10:08
